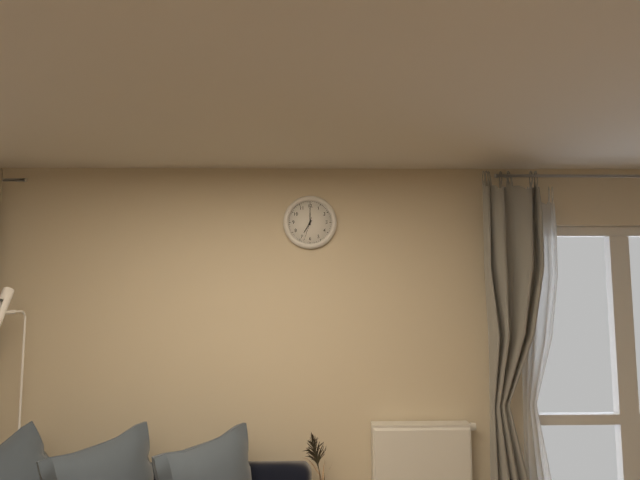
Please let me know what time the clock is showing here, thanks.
7:00
